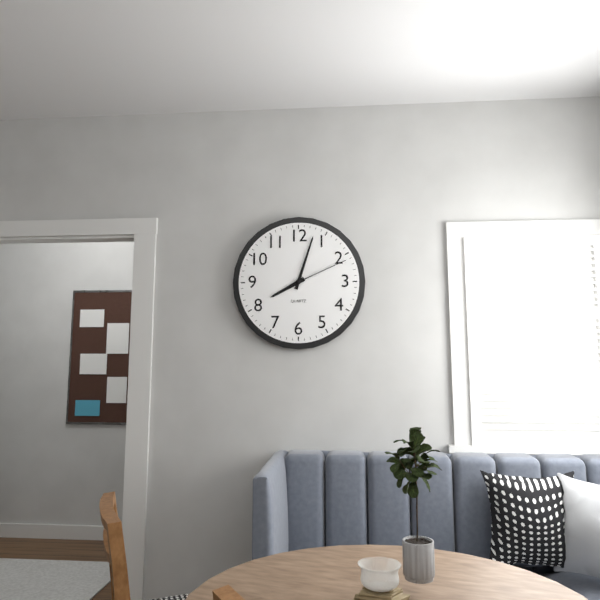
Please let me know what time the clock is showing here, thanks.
8:03:11
